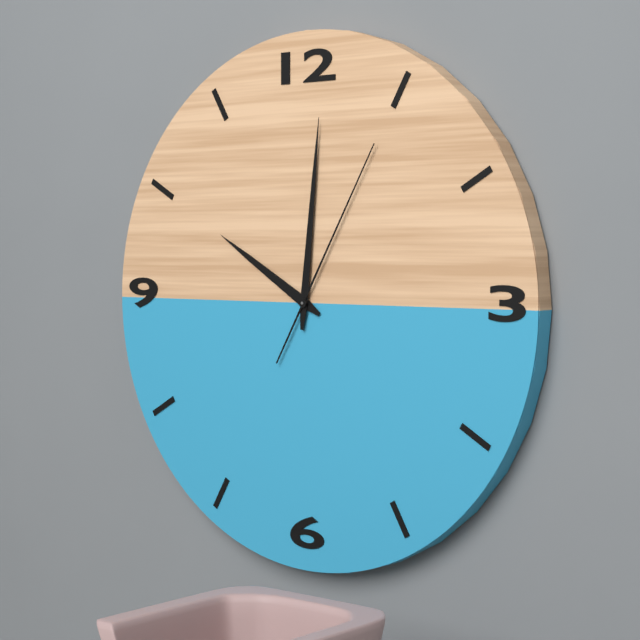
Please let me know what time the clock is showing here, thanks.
10:01:05
